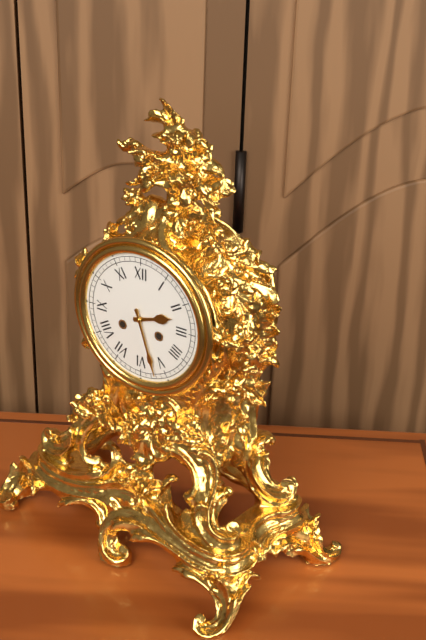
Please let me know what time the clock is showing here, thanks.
2:27
